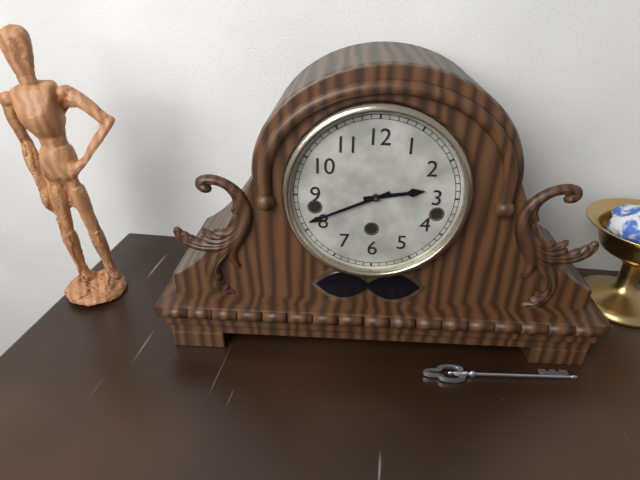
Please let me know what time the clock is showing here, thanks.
2:41
